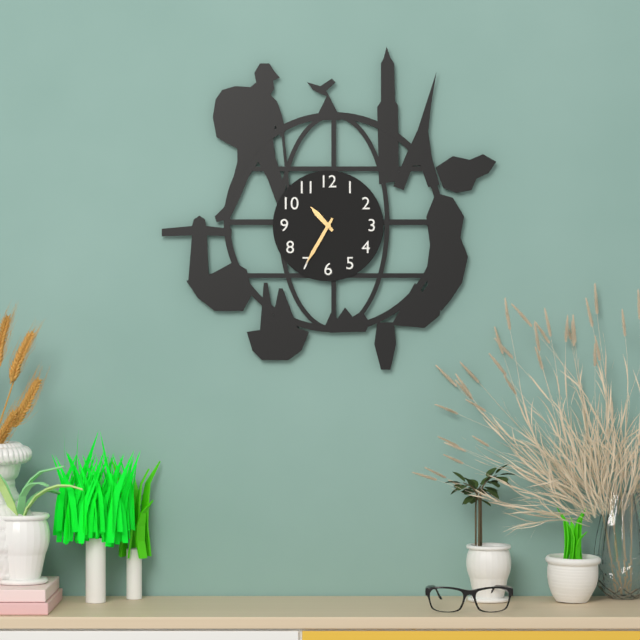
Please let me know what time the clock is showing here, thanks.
10:35
